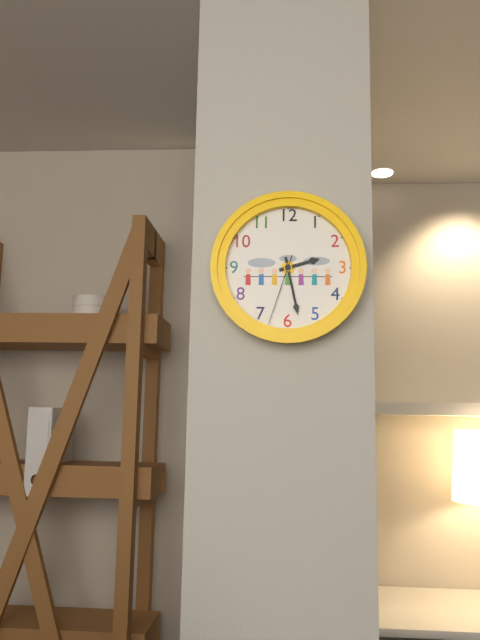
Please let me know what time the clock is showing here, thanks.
2:28:33
